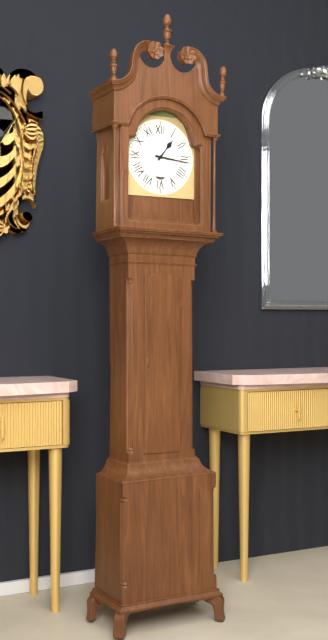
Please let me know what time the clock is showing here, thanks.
1:16
